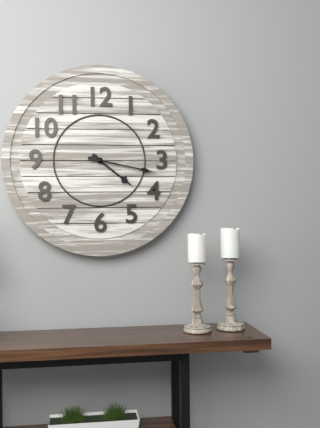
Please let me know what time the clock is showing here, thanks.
4:17
